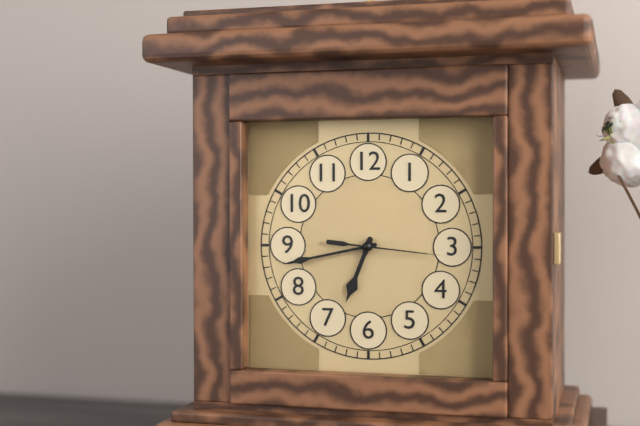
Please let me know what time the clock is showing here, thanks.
6:43:16
